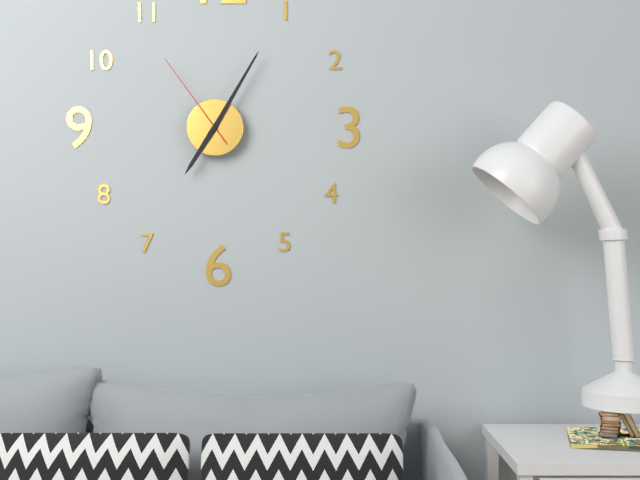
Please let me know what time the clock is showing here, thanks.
7:05:54
